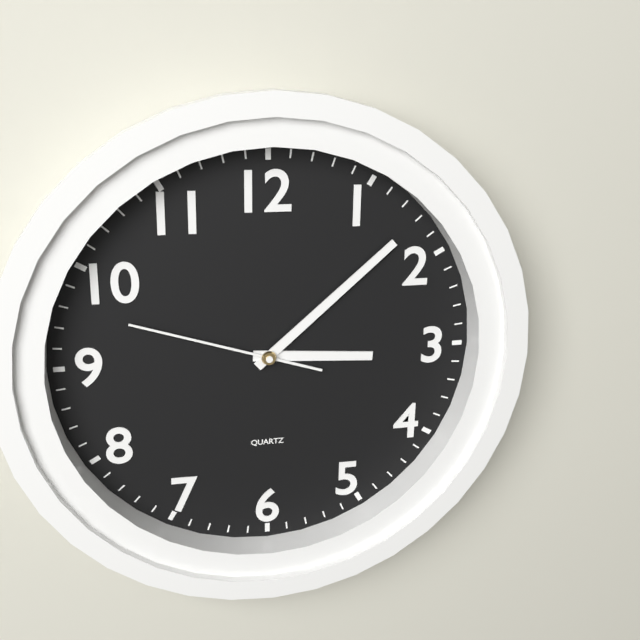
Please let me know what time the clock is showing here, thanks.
3:08:48
